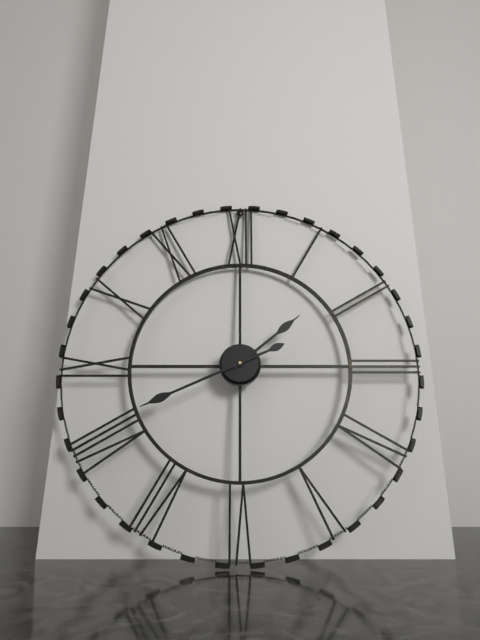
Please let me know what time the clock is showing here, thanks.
1:41
